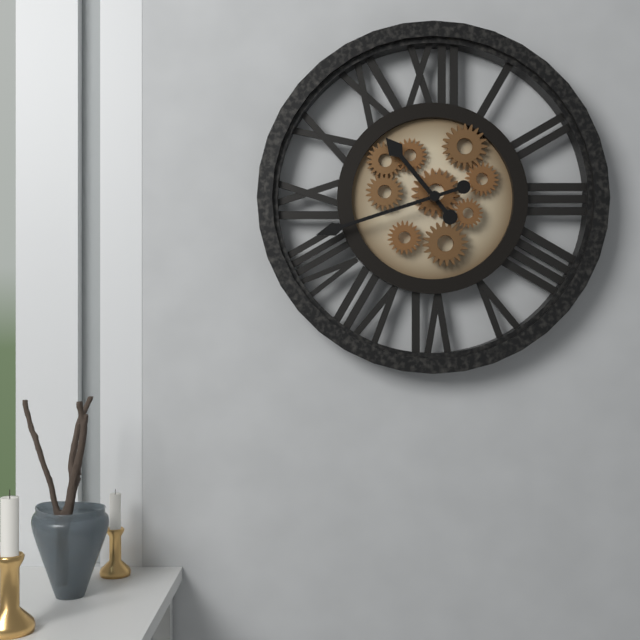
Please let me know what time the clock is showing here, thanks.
10:42
